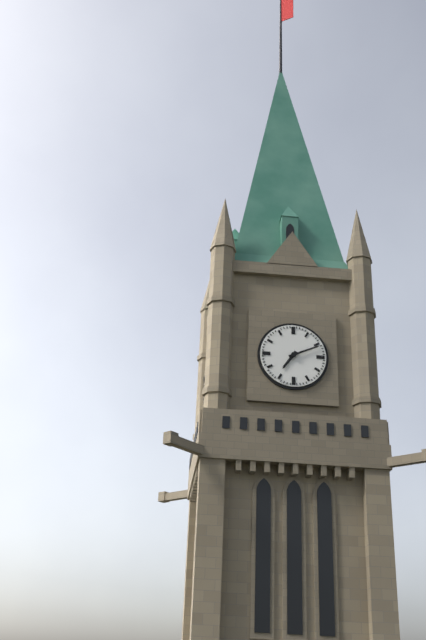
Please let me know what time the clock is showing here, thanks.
7:11
